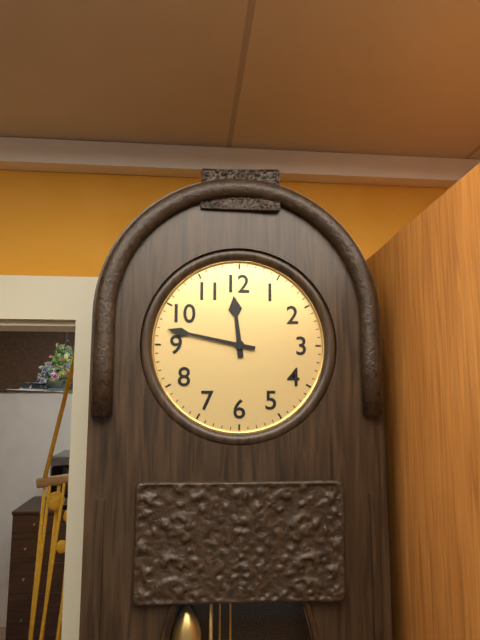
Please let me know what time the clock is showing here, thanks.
11:47
